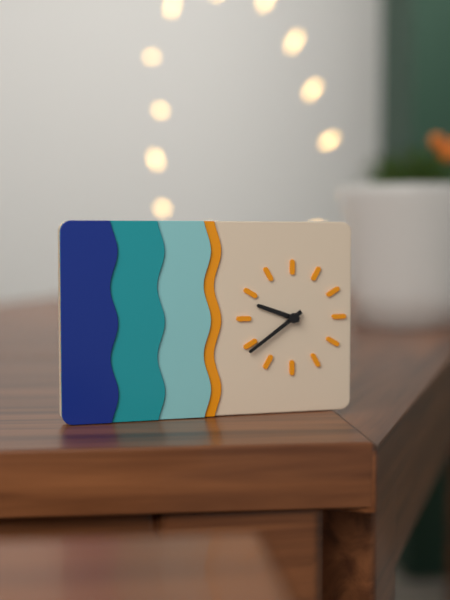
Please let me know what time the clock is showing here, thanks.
9:39
